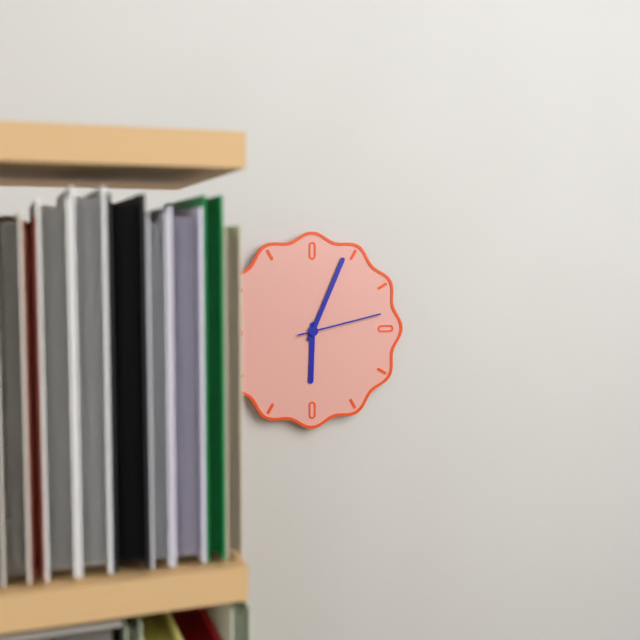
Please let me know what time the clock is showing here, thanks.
6:04:13
